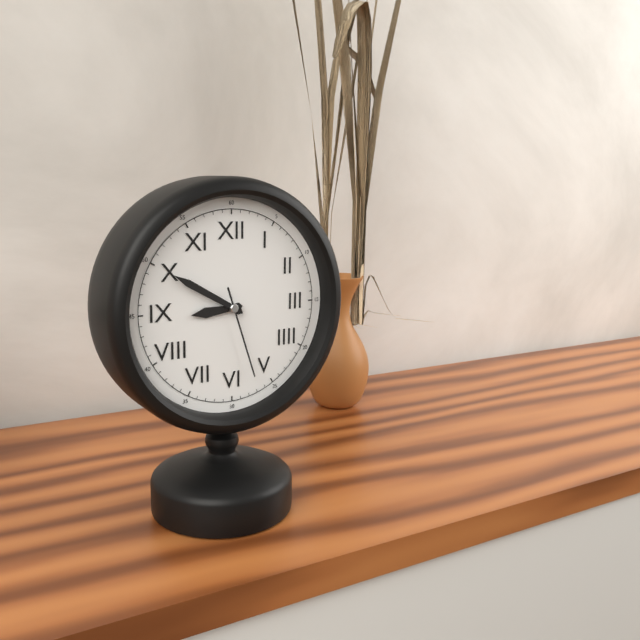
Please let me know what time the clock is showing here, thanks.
8:50:27
